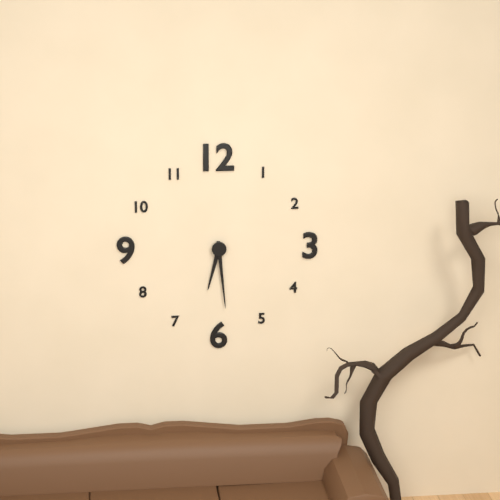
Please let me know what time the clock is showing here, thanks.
6:29
